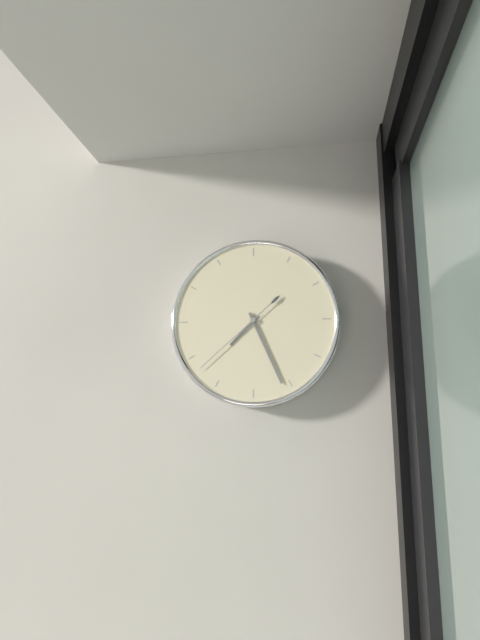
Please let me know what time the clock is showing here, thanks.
7:26:38
